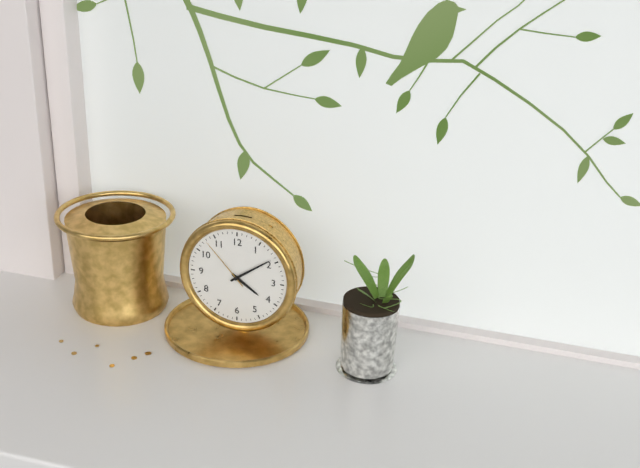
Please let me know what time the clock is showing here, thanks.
4:09:53
